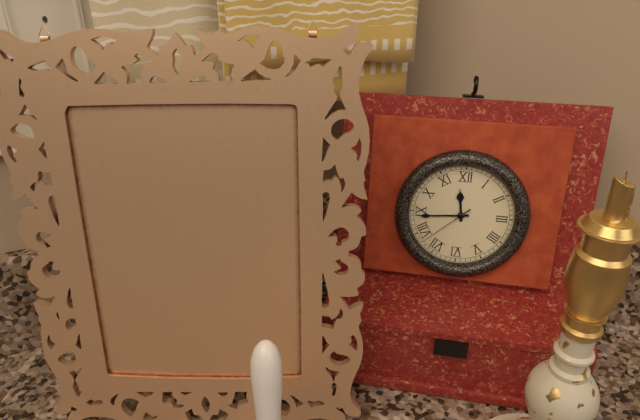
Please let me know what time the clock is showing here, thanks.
11:44:38
